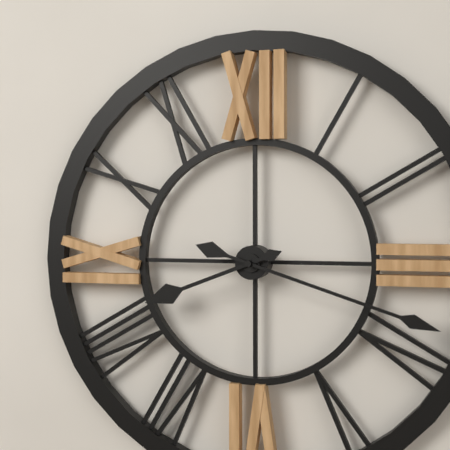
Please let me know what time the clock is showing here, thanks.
8:18
